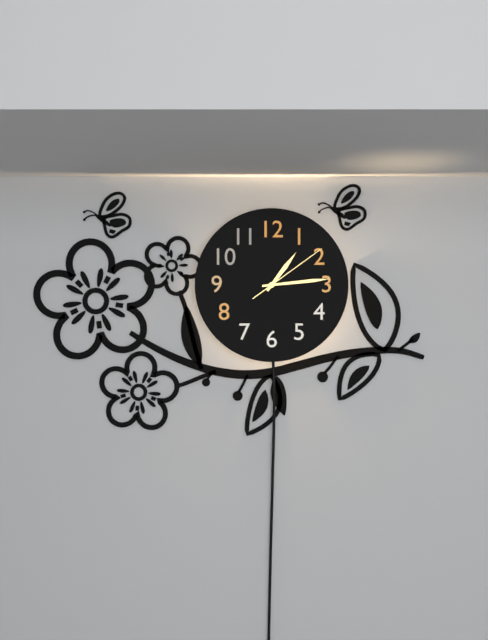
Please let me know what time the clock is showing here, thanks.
1:14:09
